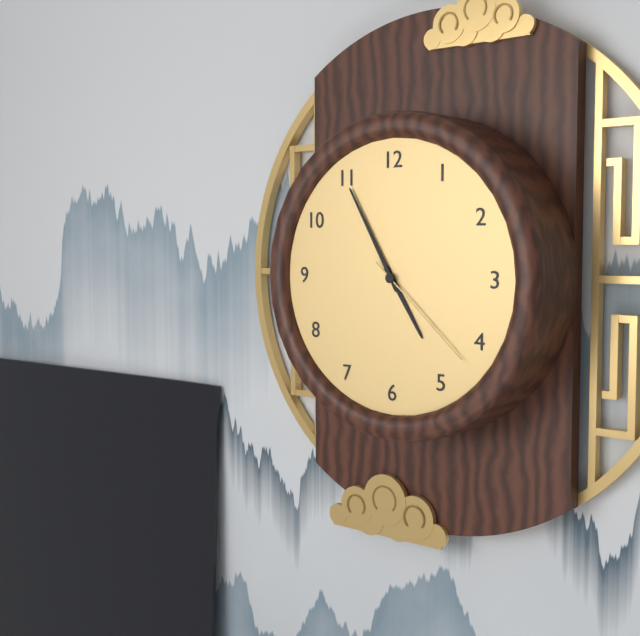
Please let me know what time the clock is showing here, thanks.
4:55:22
